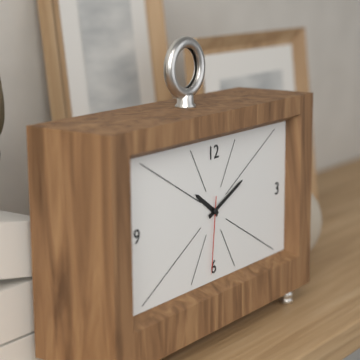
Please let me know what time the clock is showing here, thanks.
10:11:31
